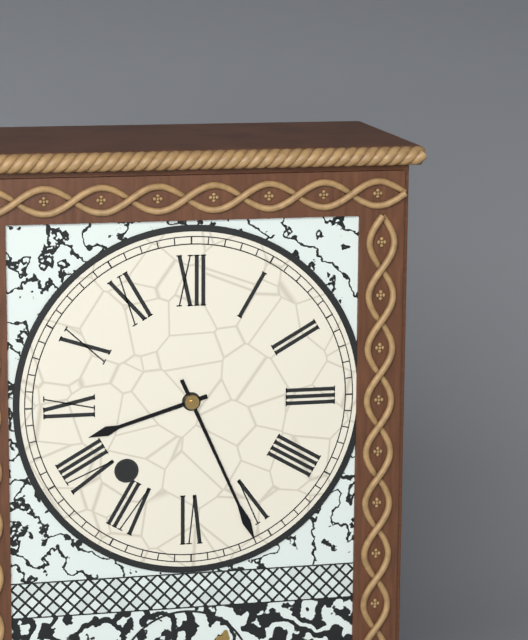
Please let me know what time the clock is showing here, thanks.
8:26
